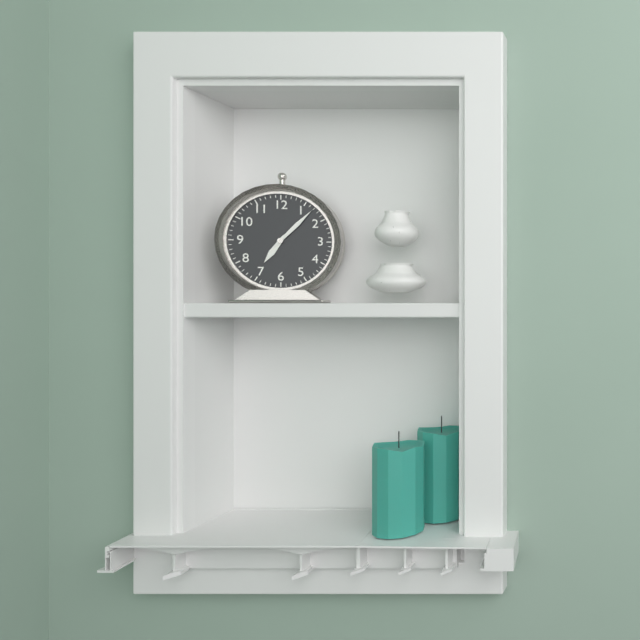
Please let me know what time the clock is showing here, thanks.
7:07
